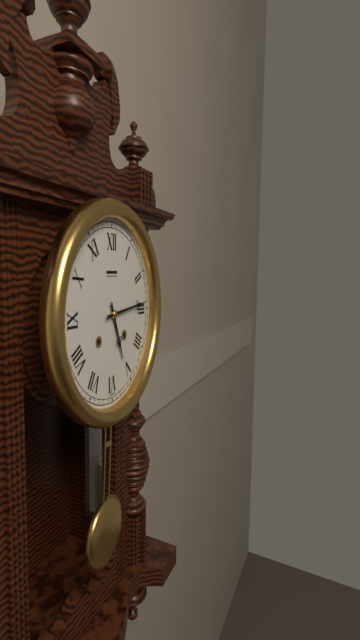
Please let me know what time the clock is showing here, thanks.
5:14
